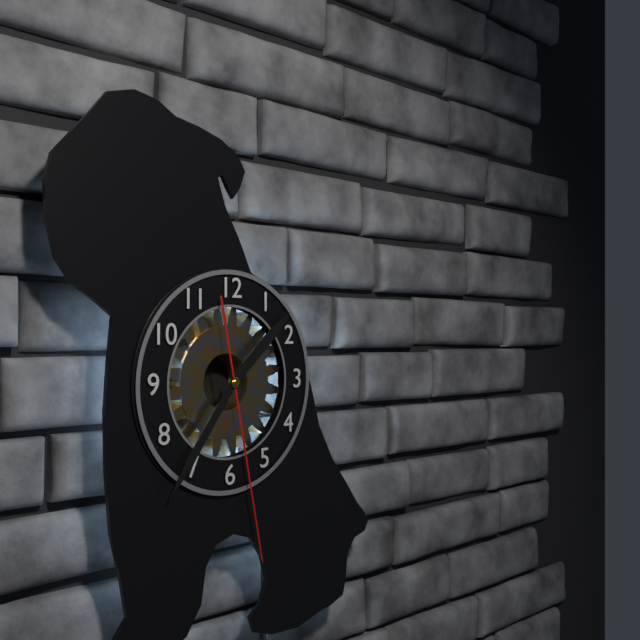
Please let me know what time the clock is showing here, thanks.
1:36:28
